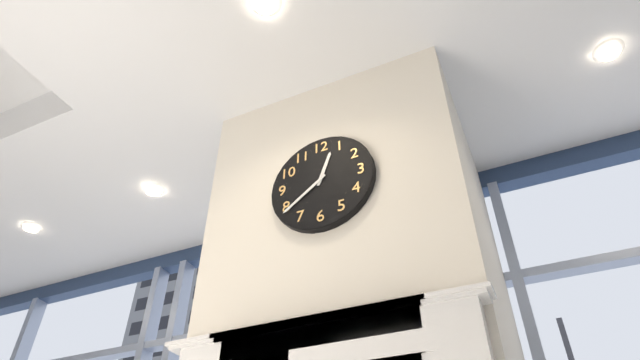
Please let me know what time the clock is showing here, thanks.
12:39
